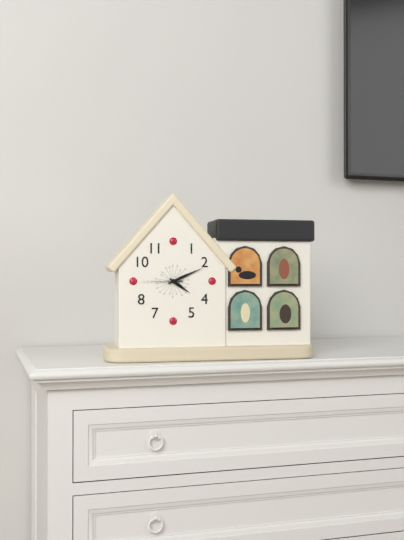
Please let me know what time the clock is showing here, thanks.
4:11
